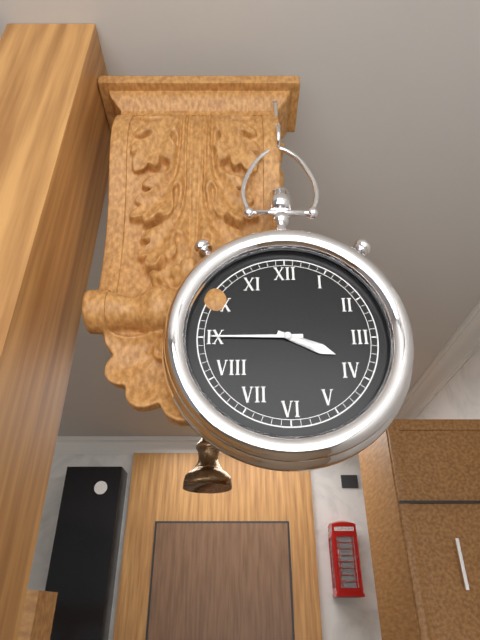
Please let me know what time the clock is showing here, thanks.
3:45
